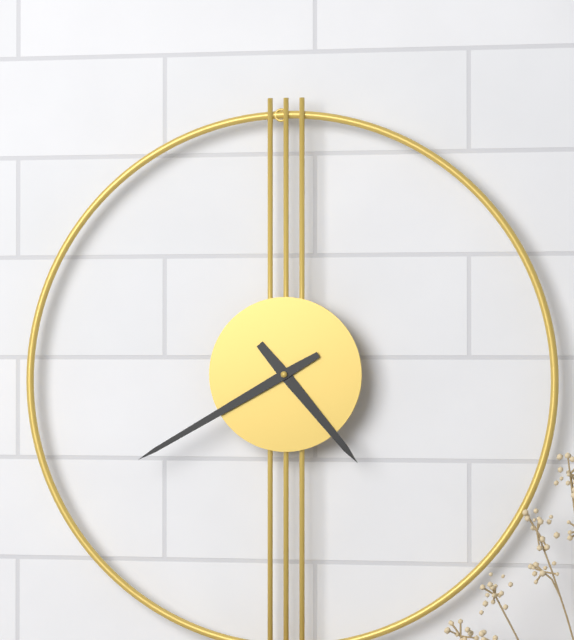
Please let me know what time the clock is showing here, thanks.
4:40
